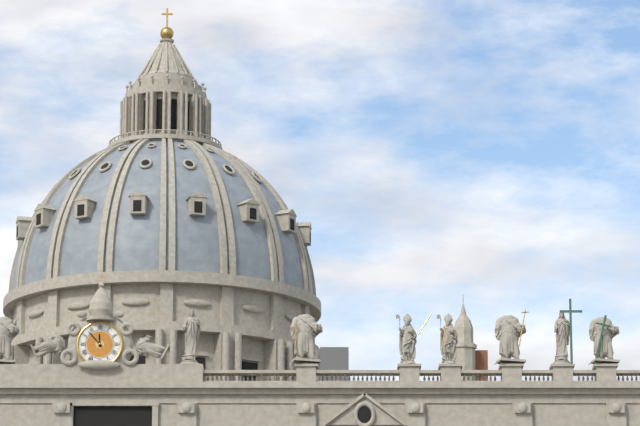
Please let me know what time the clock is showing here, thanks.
11:53
